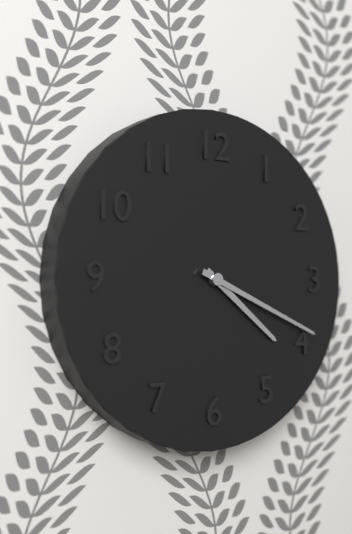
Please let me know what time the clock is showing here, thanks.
4:19
